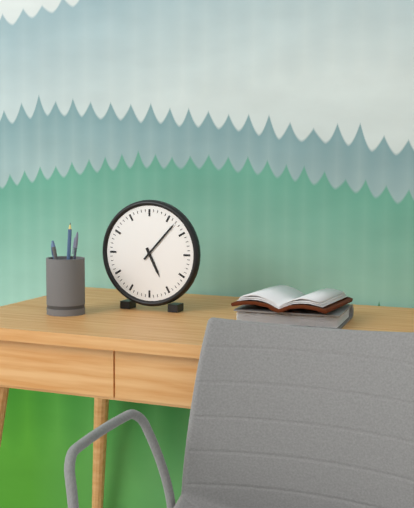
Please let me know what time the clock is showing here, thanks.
5:07
